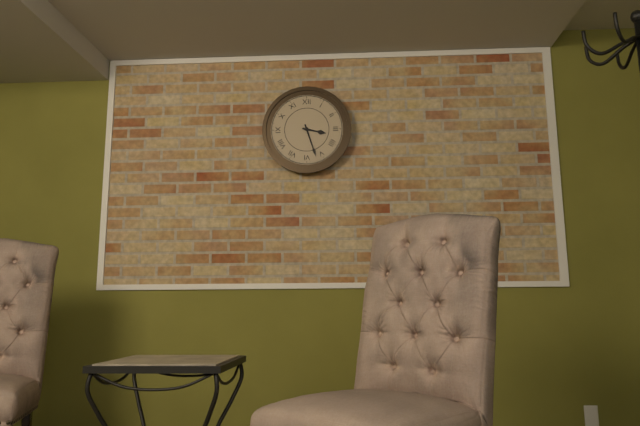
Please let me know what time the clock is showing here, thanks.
3:27
